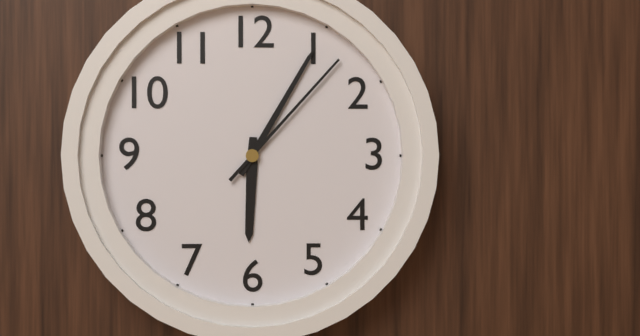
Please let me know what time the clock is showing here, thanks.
6:05:07
